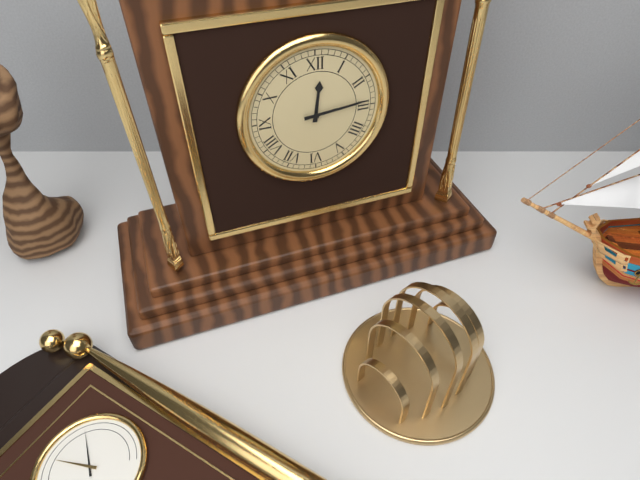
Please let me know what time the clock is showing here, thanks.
12:14
